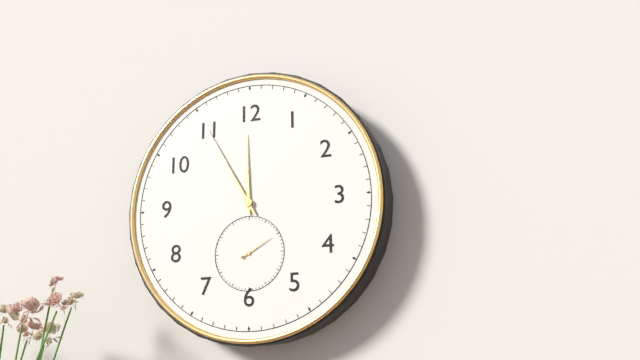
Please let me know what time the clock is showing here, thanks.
11:55
